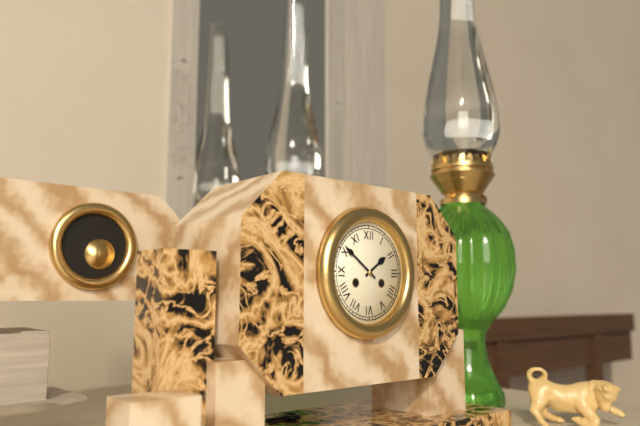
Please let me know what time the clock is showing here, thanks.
1:51
